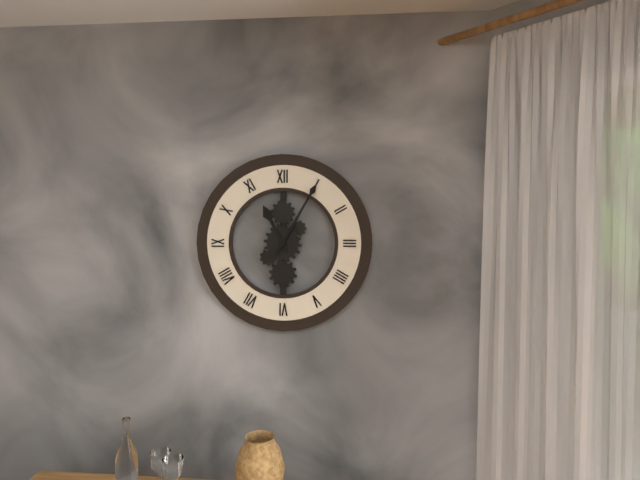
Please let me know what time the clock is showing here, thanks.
11:05
